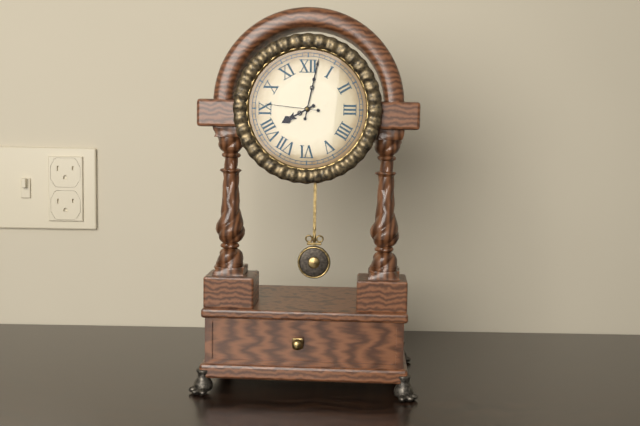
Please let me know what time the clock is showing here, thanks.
8:02:46
